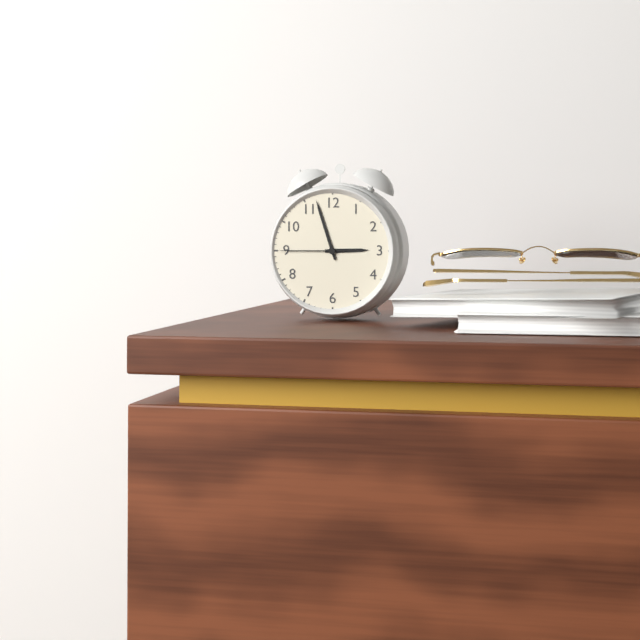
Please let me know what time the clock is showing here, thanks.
2:57:45
